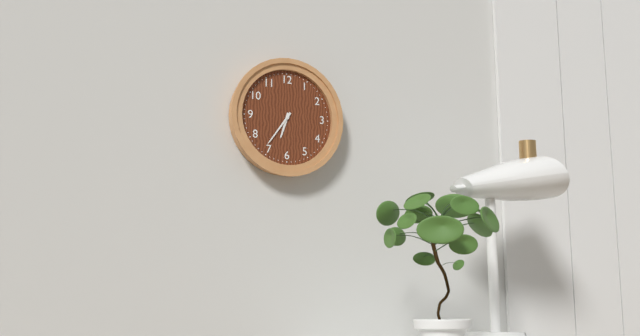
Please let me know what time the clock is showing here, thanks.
6:36
